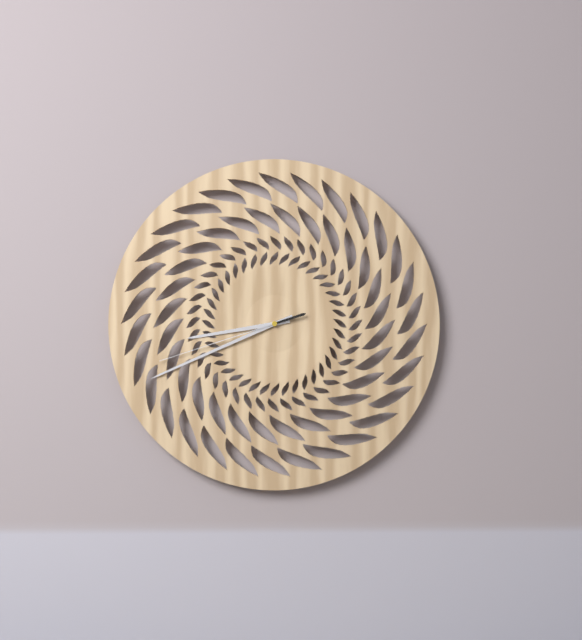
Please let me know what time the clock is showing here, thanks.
8:41:42
